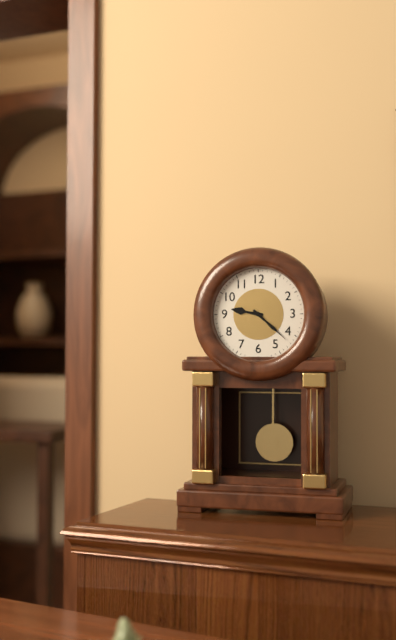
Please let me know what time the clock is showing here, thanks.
9:22
